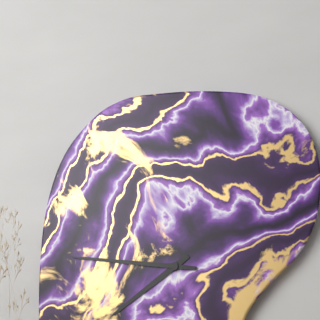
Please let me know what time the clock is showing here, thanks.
7:46
